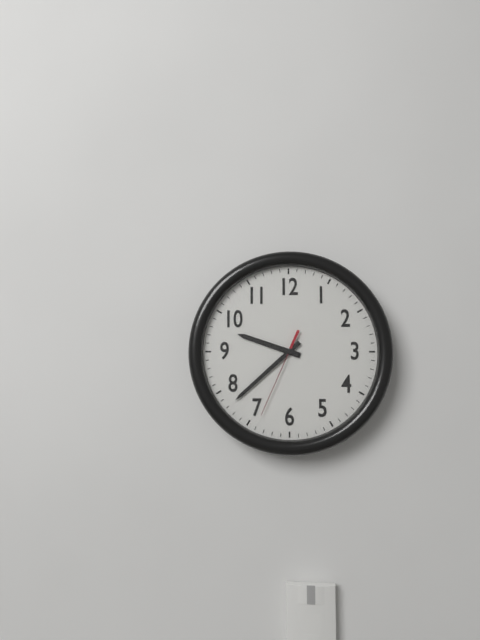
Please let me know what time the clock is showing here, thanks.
9:38:34
